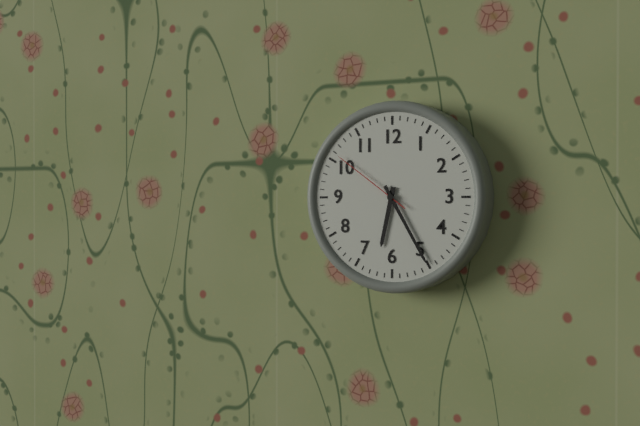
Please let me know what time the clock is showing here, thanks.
6:25:51
